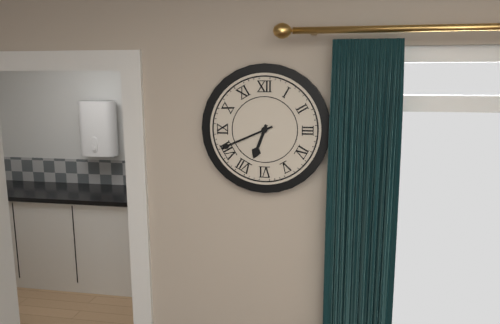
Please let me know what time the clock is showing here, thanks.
6:41
